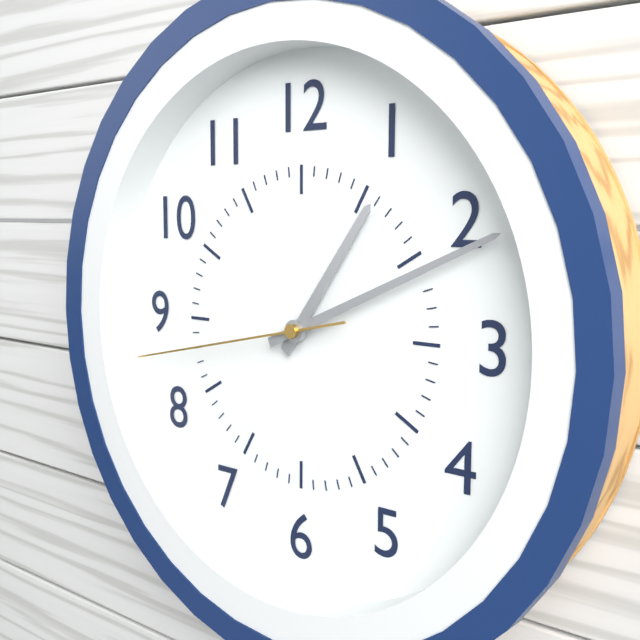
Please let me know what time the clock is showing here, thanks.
1:11:43
